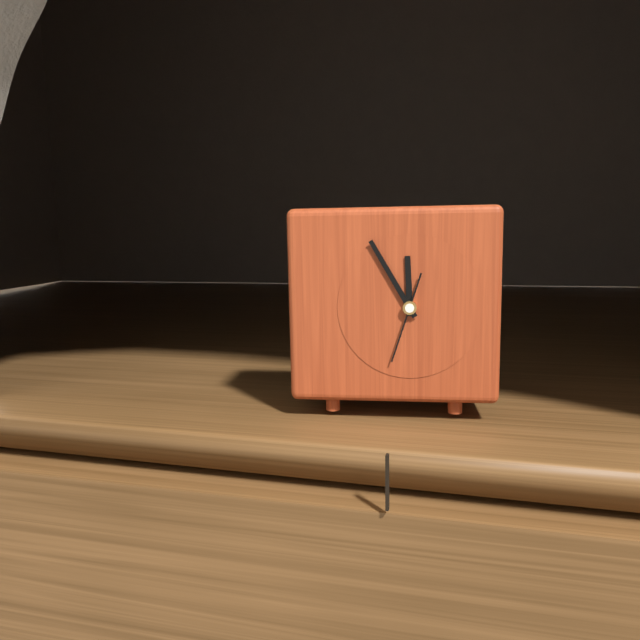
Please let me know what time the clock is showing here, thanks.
11:55:33
